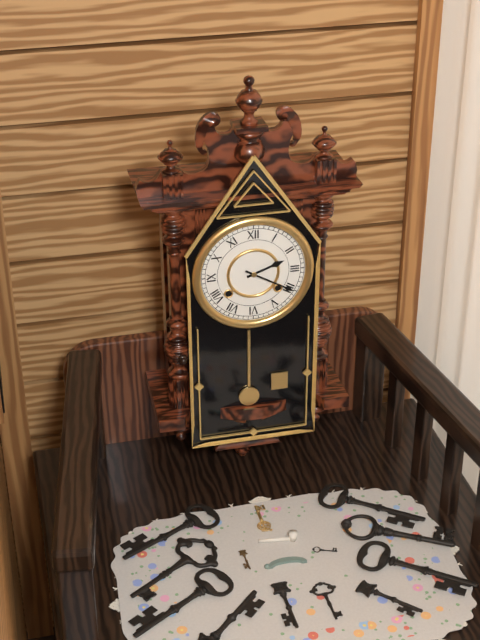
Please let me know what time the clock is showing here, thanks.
2:20
